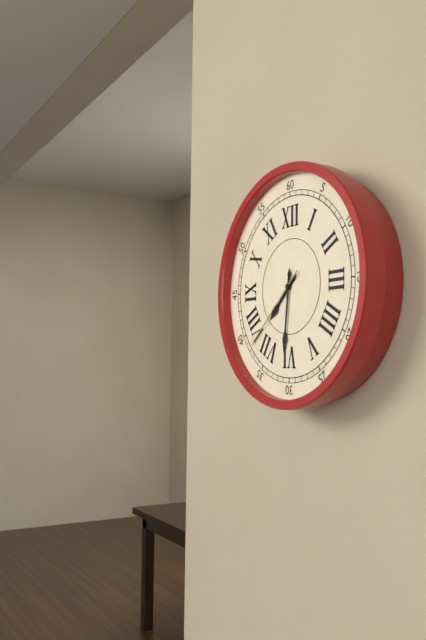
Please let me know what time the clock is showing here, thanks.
7:31:38
